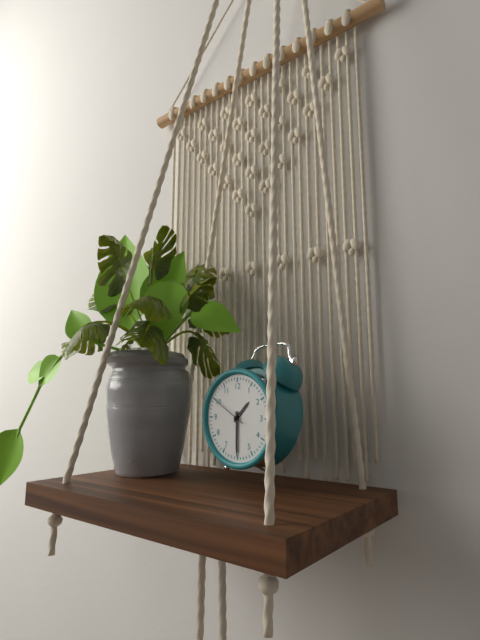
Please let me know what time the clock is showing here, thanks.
1:30
